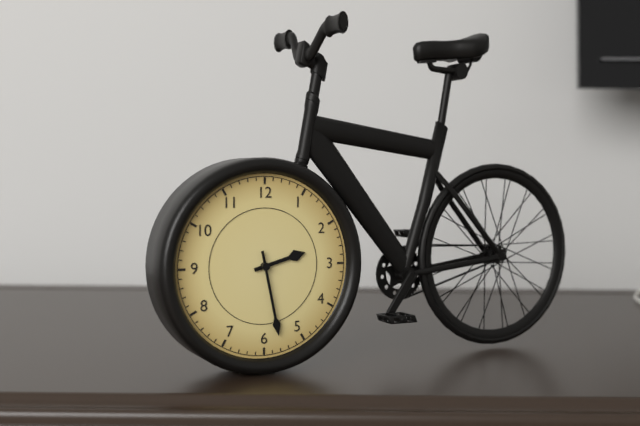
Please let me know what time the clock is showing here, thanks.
2:28
